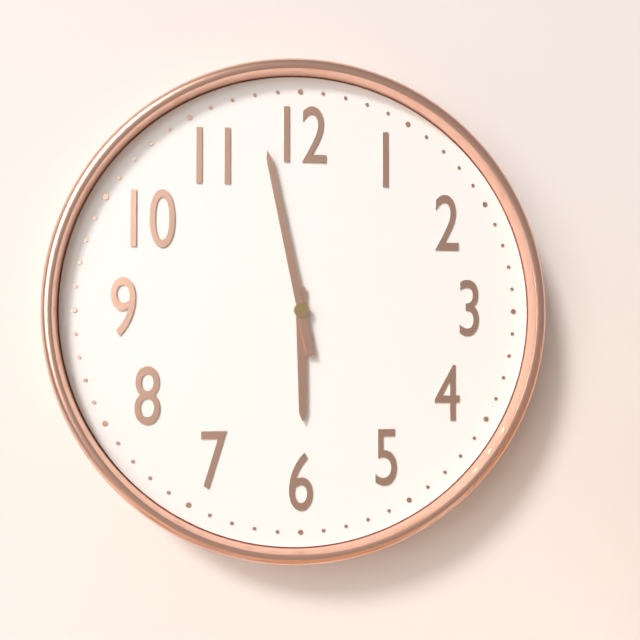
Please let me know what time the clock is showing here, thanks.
5:58
